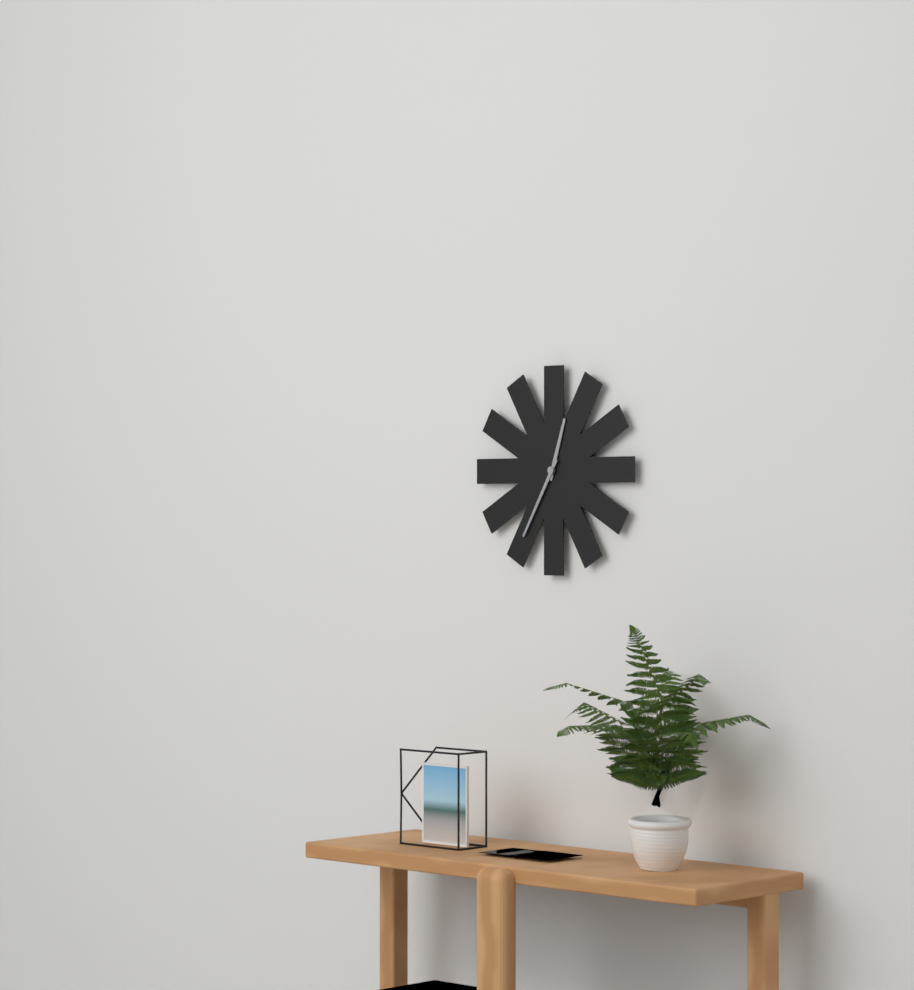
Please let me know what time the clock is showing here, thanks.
12:35
